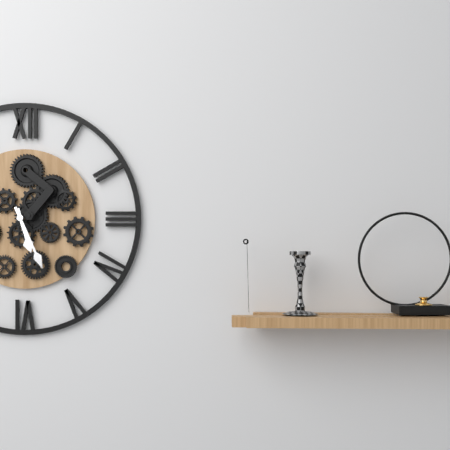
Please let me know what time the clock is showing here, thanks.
5:26
